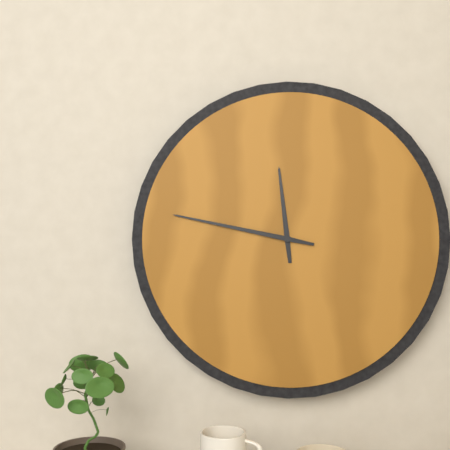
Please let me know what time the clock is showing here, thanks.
11:47
